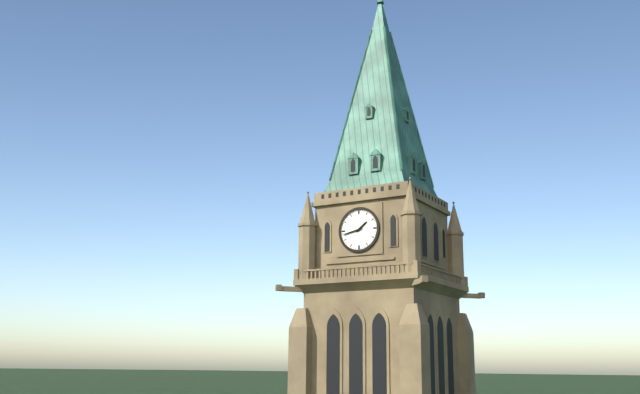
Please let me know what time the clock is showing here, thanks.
1:43
